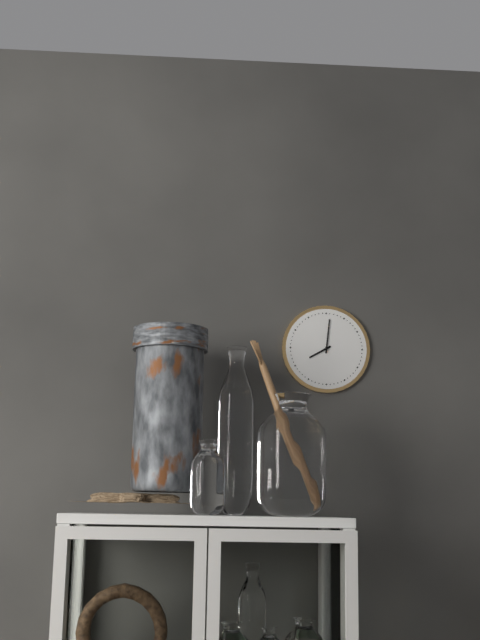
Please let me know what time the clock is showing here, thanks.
8:01
